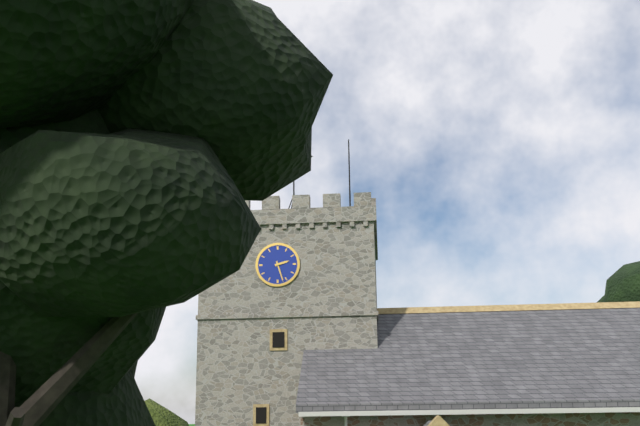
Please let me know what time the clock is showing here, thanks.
2:27
